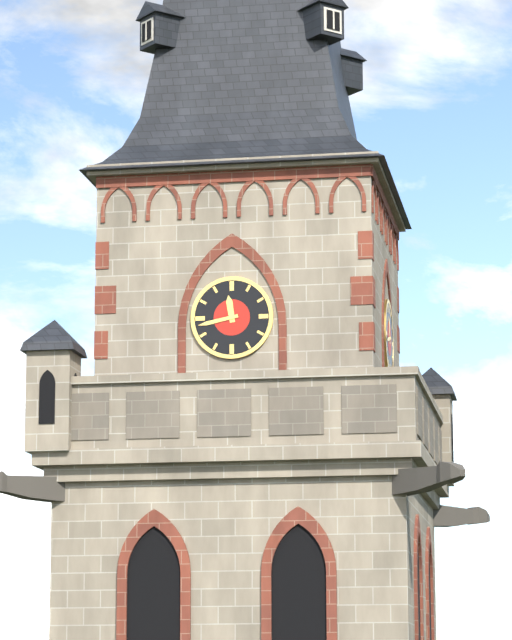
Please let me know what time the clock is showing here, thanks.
11:43
